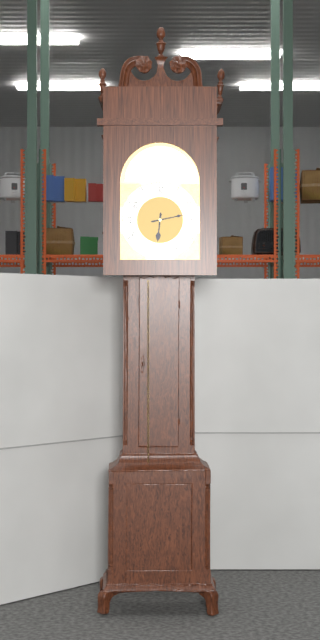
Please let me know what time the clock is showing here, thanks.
6:13
